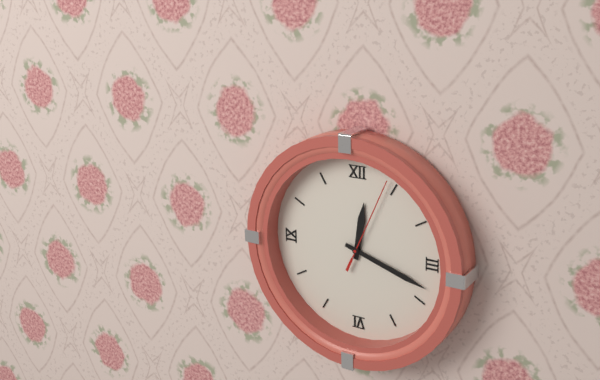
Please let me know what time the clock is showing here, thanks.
12:18:04
